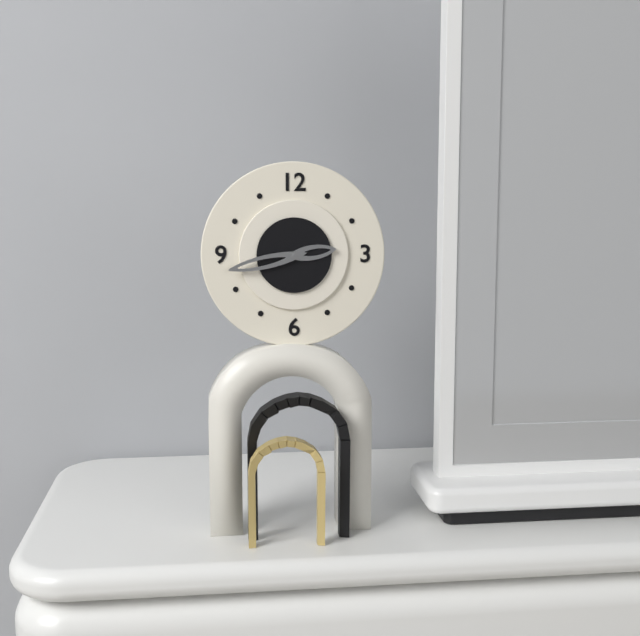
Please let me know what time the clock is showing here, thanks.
2:43
